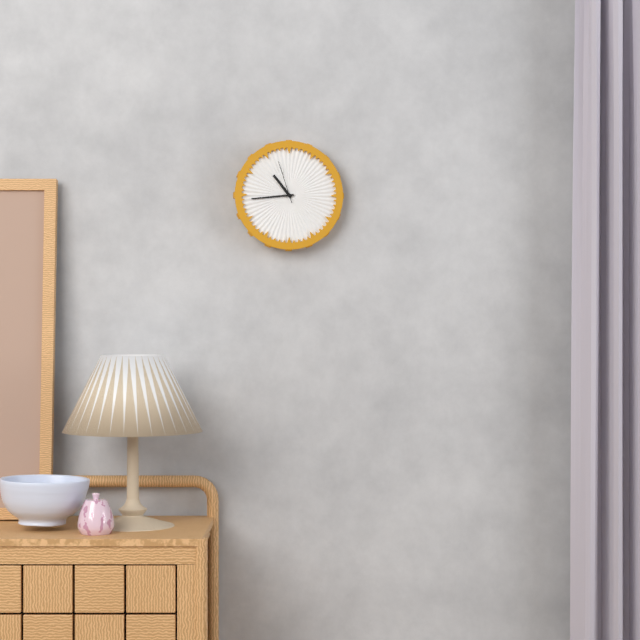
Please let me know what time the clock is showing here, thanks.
10:44
